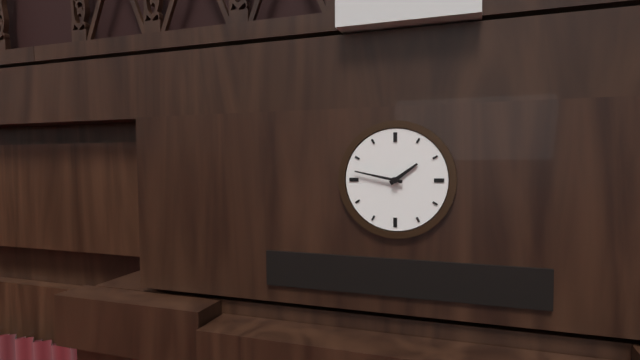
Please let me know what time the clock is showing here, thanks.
1:47
